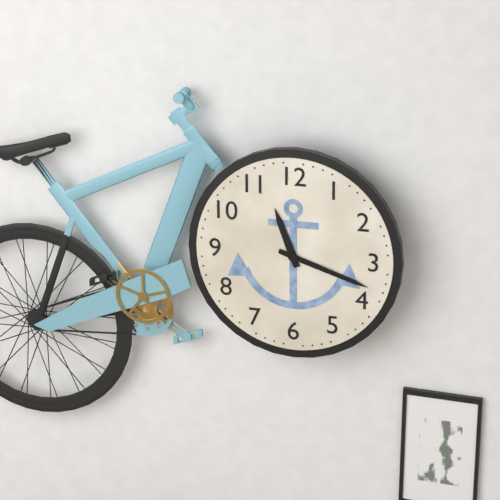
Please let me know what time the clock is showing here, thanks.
11:18
